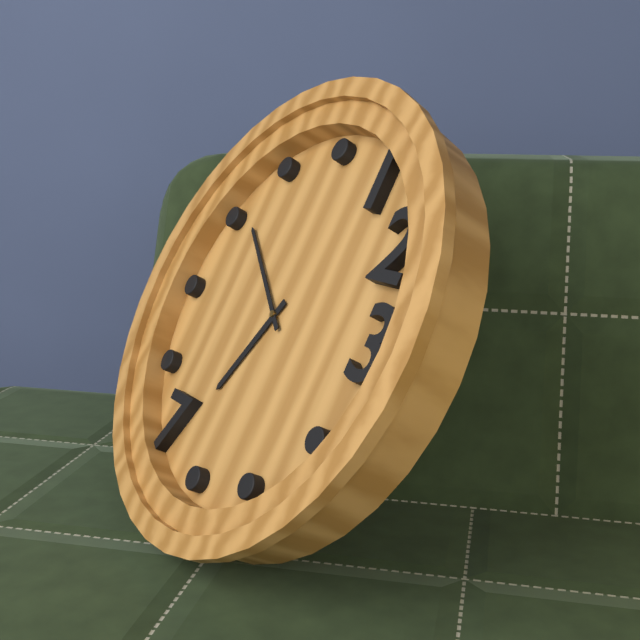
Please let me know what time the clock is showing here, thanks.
6:51
